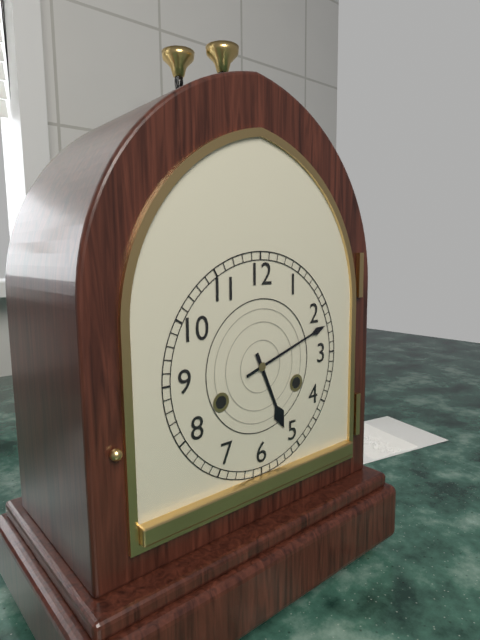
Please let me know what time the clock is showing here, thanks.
5:12
